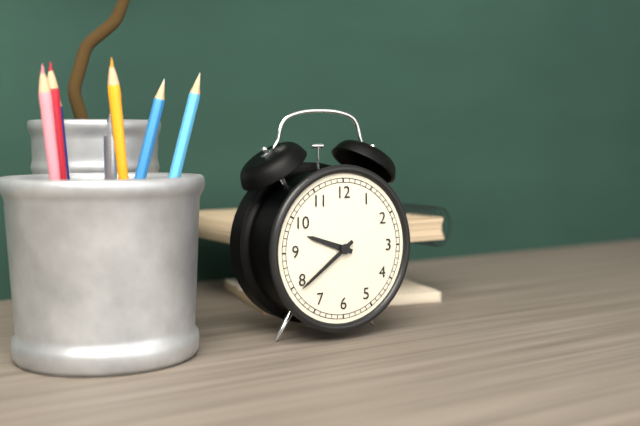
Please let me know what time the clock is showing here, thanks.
9:39
